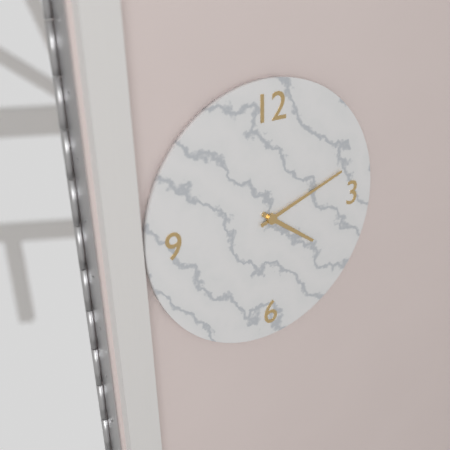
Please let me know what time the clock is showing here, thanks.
4:12
